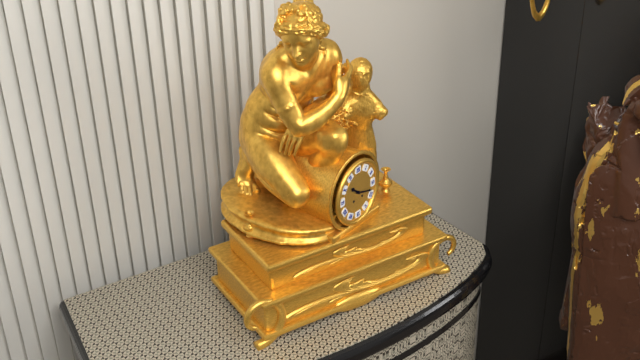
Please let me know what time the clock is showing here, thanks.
10:18
